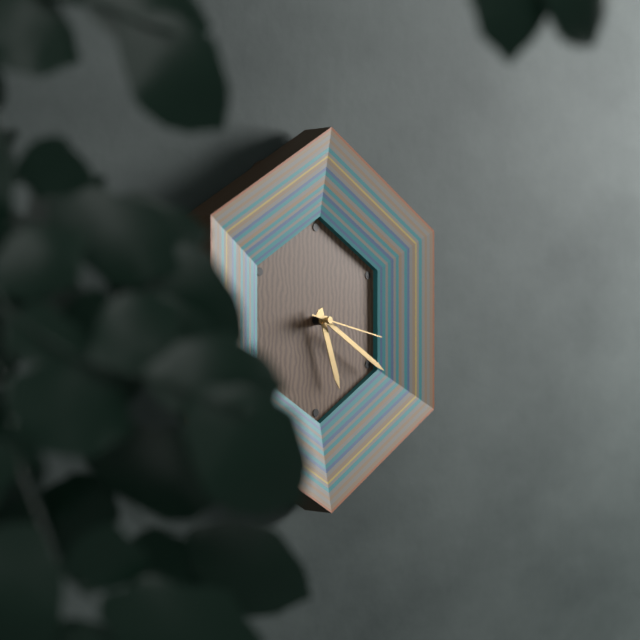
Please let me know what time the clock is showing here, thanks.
5:20:17
